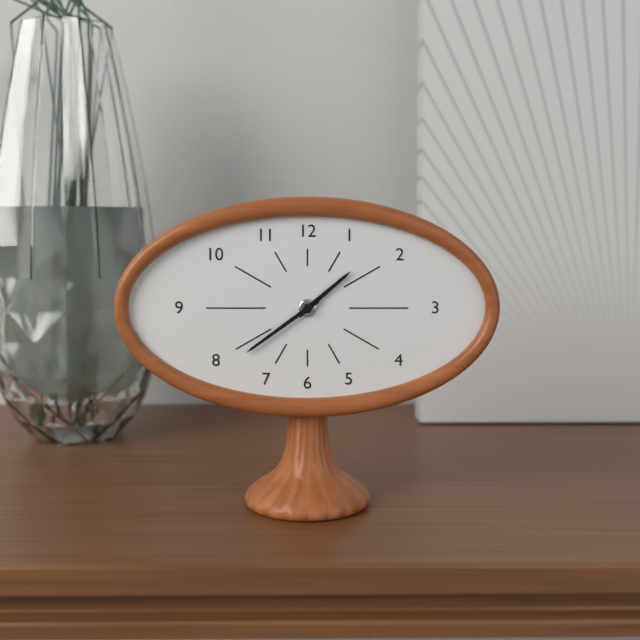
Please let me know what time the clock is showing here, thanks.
1:39
